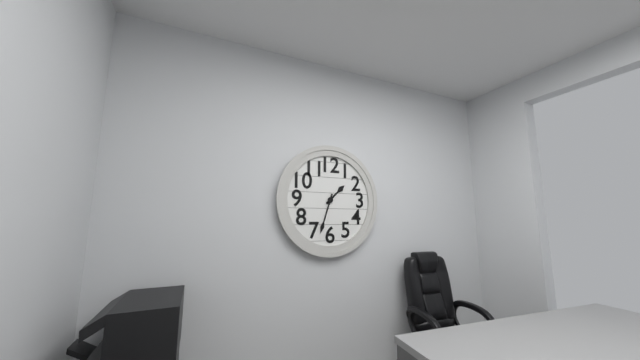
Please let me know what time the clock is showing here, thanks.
1:33
